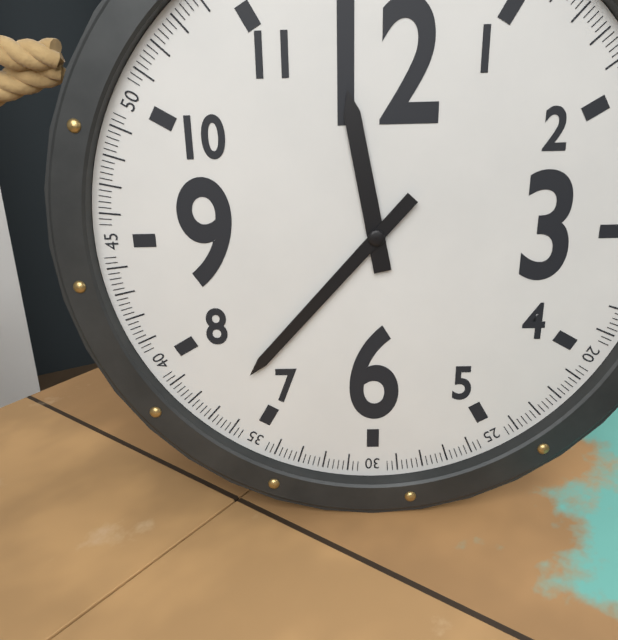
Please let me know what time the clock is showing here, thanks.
11:37
